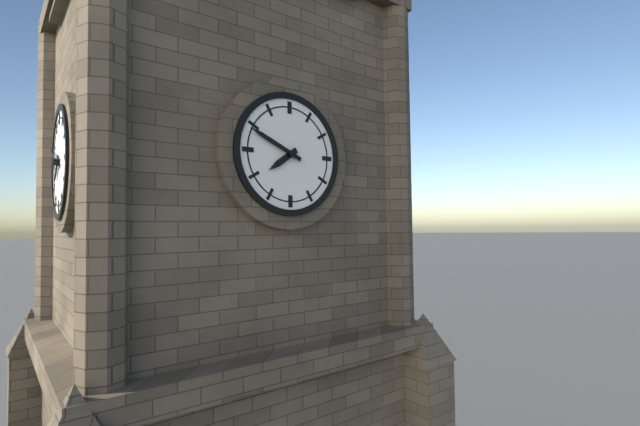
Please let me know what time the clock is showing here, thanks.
7:49
